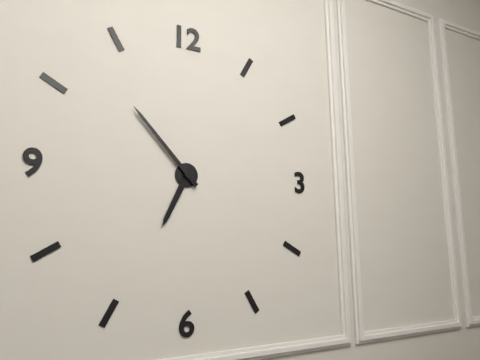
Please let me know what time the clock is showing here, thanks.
6:53
